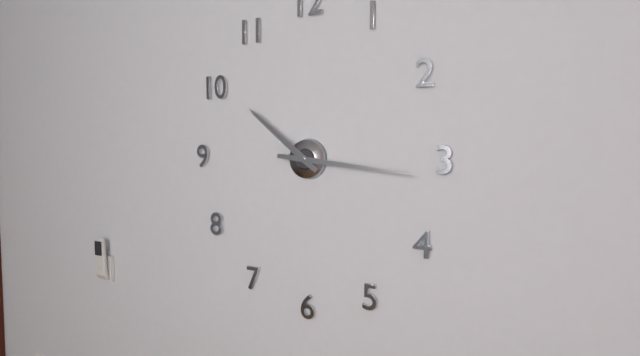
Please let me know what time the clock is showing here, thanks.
10:16
